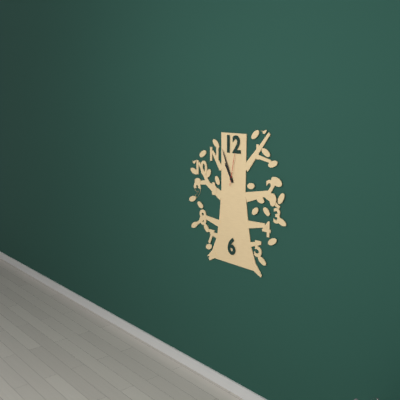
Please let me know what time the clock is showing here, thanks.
10:56
